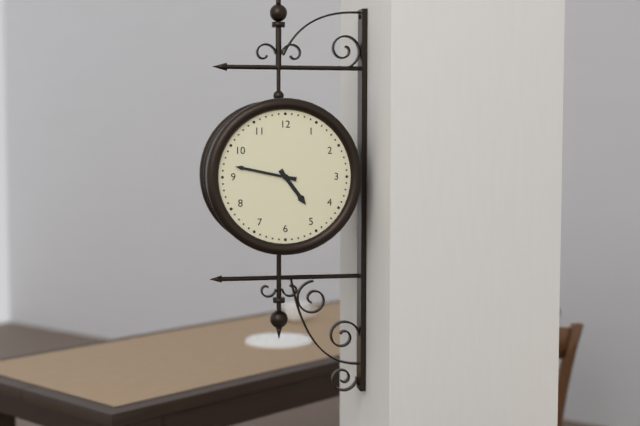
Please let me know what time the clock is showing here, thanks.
4:47
